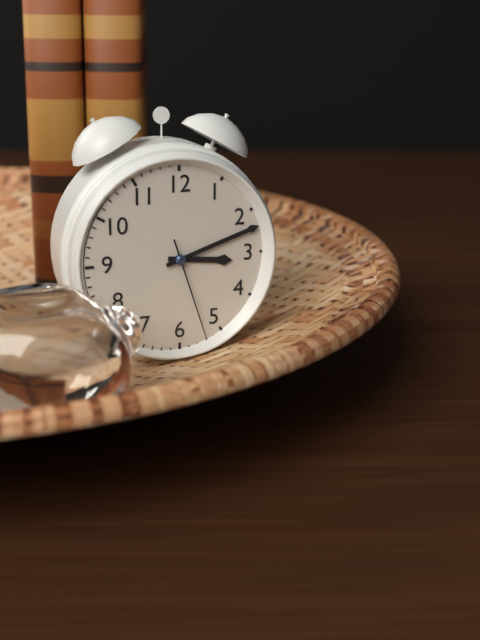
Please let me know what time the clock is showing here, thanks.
3:12:27
